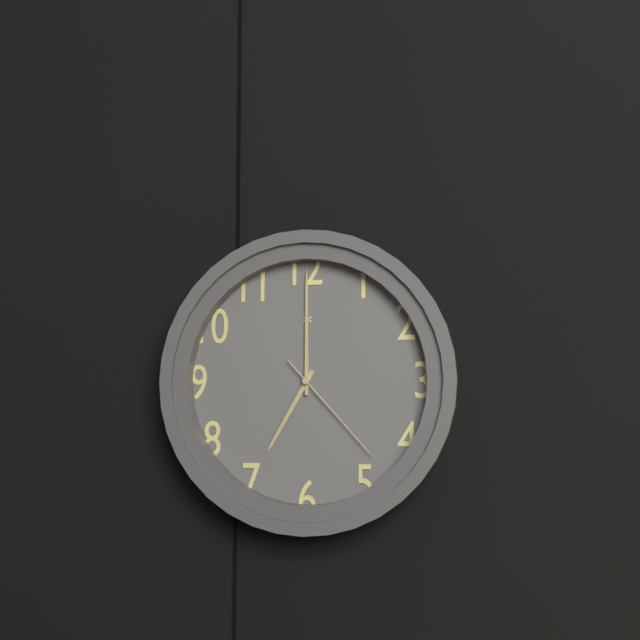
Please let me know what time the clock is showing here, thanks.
7:00:23
